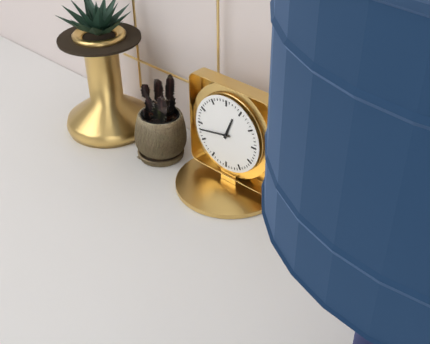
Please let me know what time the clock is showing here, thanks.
12:43
